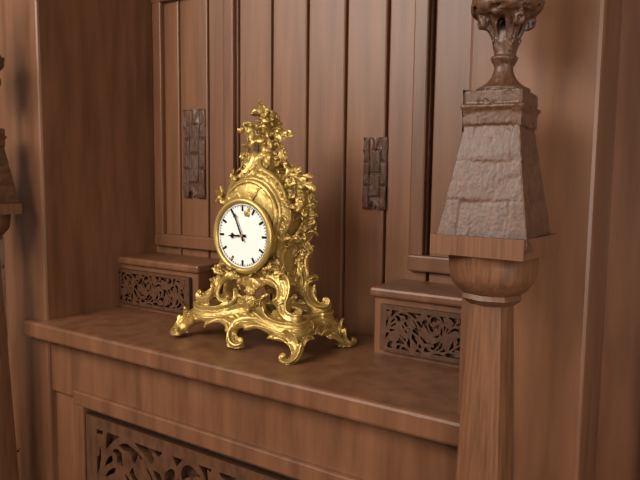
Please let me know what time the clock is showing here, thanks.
8:56
